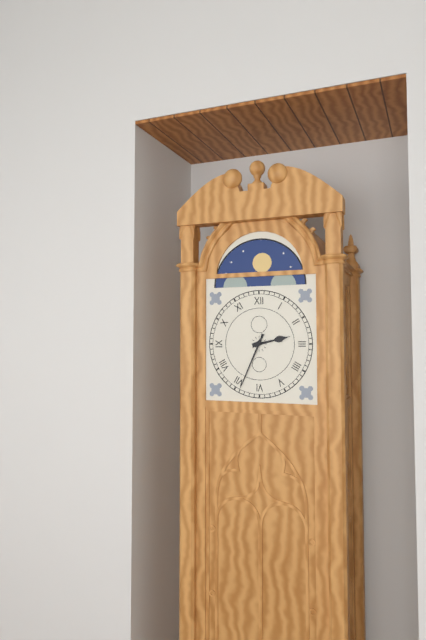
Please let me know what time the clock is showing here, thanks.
2:34
